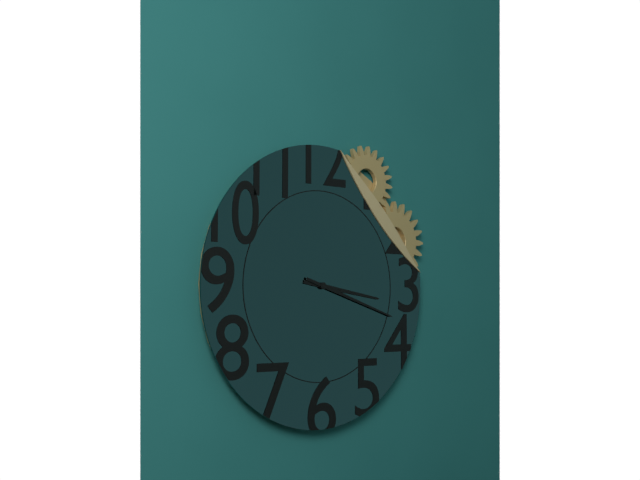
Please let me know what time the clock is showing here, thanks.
3:18
